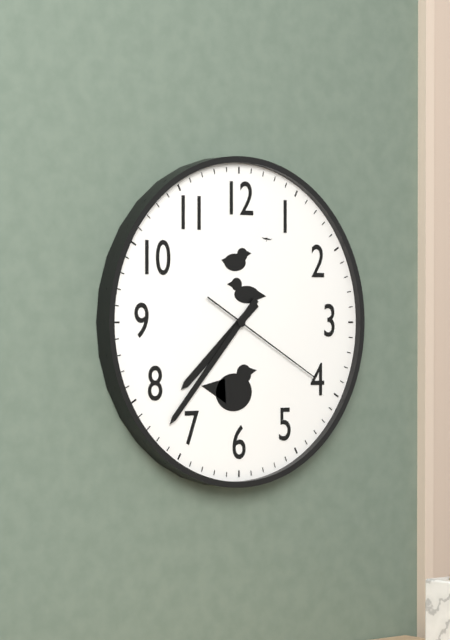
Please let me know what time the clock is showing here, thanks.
7:37:20
